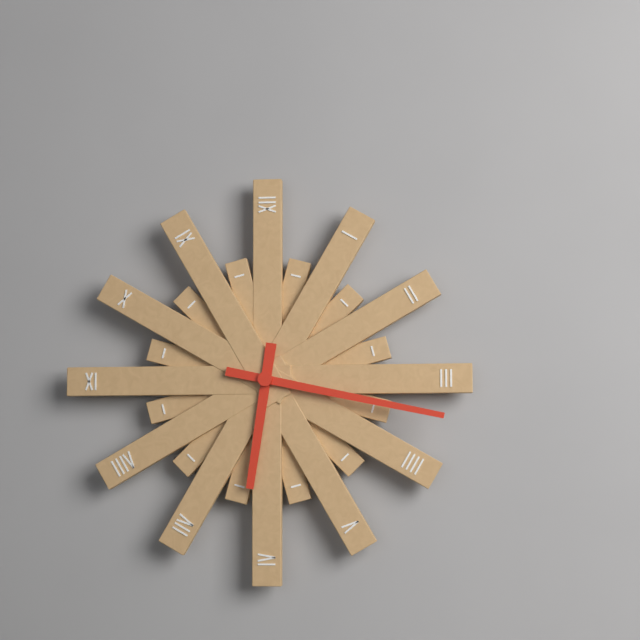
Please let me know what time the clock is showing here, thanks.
6:17
